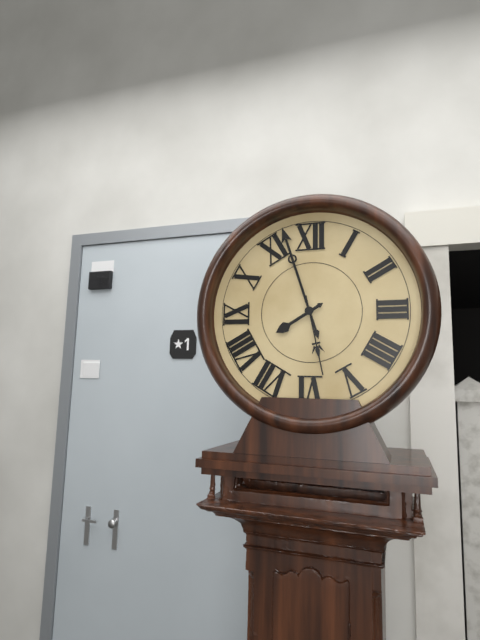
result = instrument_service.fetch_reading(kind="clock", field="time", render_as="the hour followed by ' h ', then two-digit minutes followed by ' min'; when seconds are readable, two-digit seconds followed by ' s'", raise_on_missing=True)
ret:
7 h 57 min 28 s
